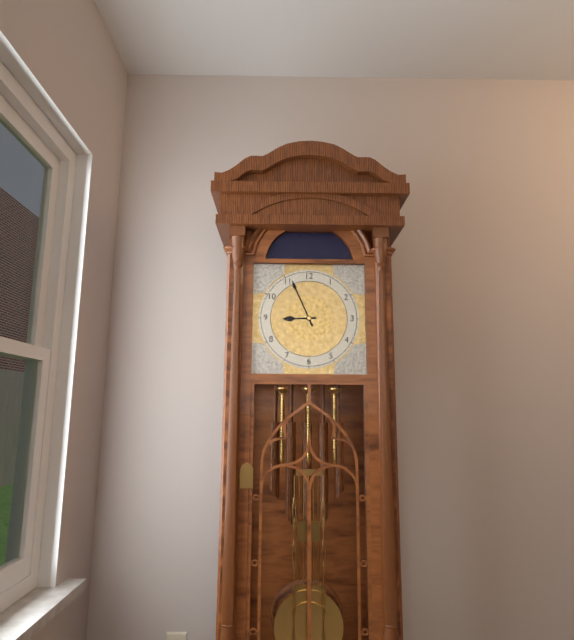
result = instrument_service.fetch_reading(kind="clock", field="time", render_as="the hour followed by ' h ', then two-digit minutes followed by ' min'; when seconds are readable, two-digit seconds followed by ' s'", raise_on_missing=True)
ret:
8 h 56 min
